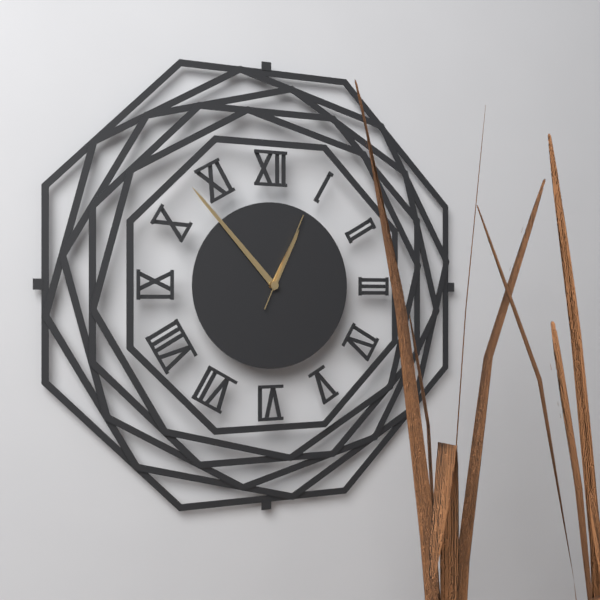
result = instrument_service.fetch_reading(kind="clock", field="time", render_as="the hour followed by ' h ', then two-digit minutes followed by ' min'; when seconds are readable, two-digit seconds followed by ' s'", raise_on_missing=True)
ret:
12 h 53 min 04 s
